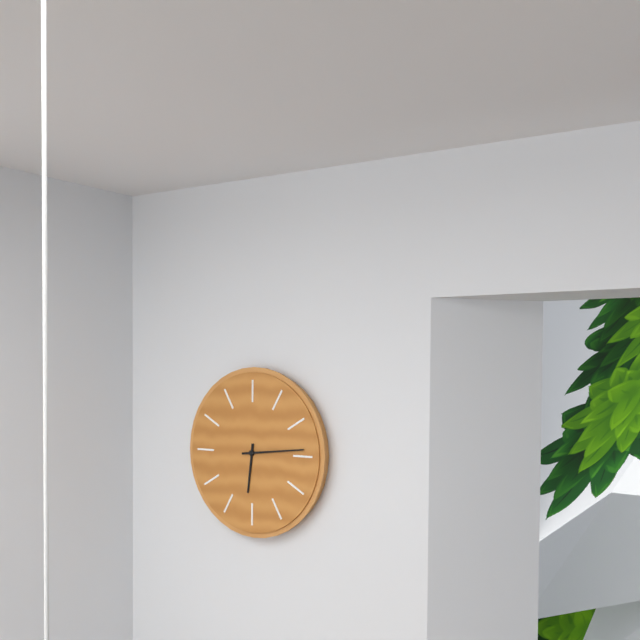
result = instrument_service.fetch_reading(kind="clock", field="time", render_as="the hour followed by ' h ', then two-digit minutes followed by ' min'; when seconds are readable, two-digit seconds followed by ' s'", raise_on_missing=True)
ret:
6 h 14 min
